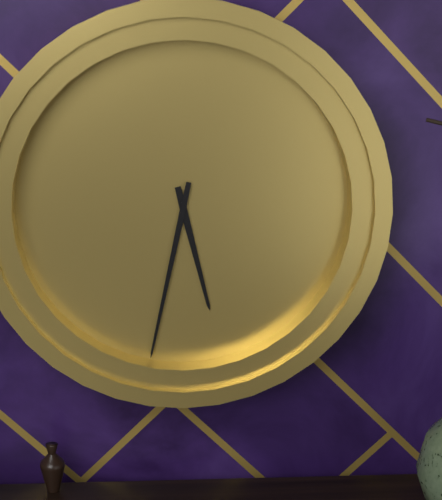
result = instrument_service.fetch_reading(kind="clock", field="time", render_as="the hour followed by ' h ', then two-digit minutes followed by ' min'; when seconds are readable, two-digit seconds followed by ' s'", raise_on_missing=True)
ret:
5 h 32 min
